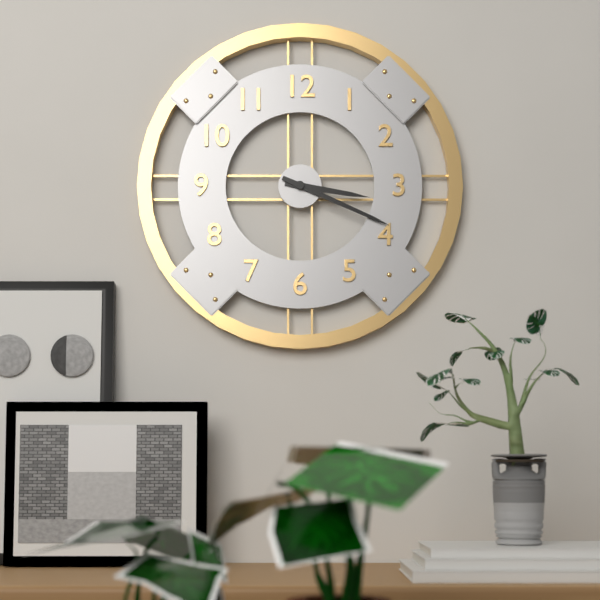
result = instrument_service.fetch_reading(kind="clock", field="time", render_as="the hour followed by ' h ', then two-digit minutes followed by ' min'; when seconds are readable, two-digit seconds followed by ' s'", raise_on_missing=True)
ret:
3 h 19 min
